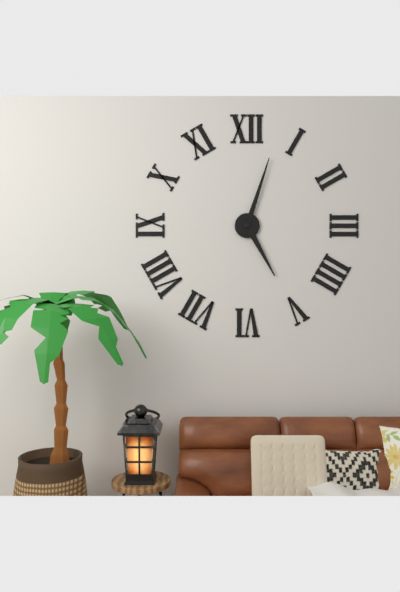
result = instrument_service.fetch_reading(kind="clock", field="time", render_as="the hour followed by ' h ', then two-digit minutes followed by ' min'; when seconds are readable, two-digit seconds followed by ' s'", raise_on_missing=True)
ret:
5 h 03 min
